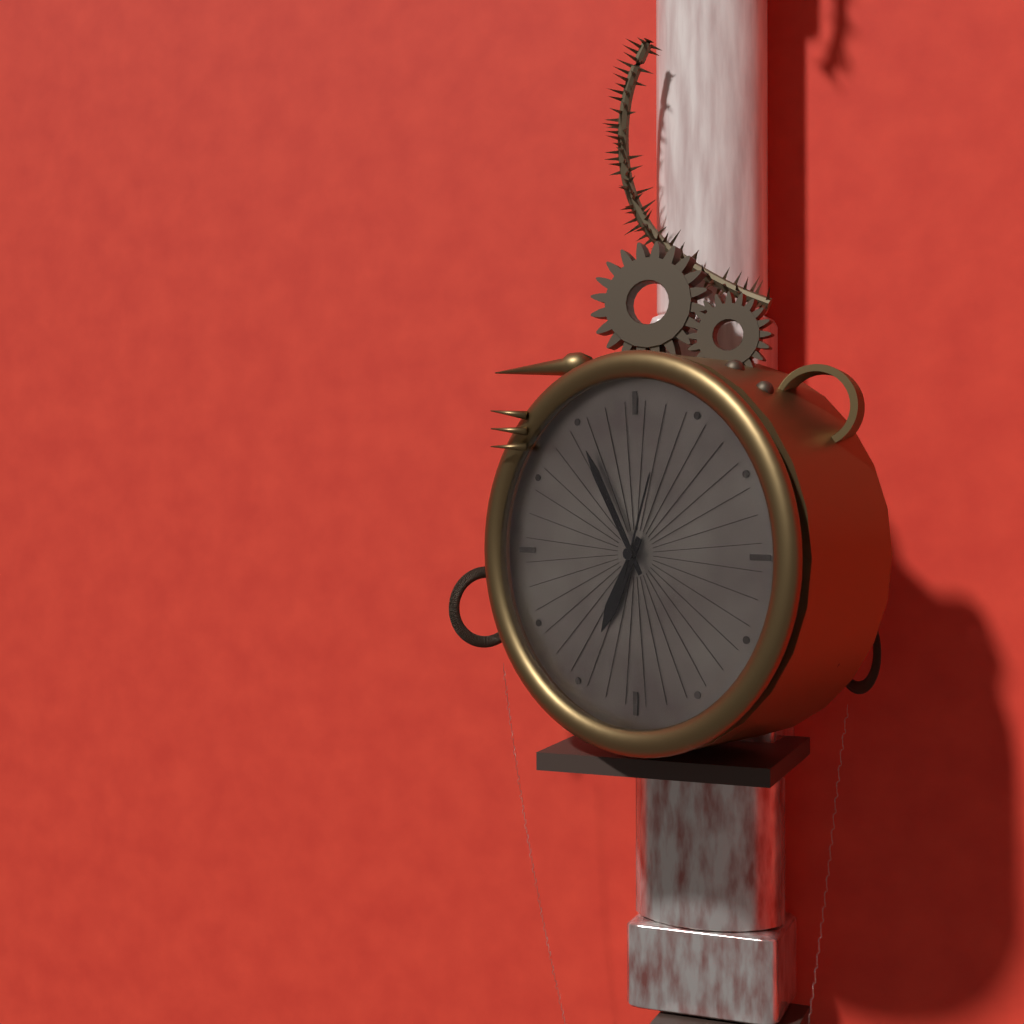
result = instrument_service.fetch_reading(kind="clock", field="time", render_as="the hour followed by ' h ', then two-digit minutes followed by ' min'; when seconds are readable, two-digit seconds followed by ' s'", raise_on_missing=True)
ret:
6 h 55 min 03 s
